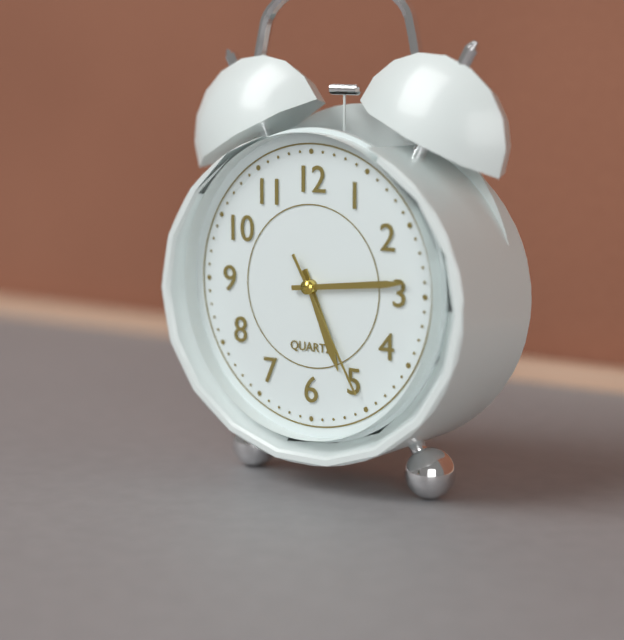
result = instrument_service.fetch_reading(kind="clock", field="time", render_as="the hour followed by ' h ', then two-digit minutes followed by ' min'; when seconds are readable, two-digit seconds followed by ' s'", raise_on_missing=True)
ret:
5 h 14 min 25 s
